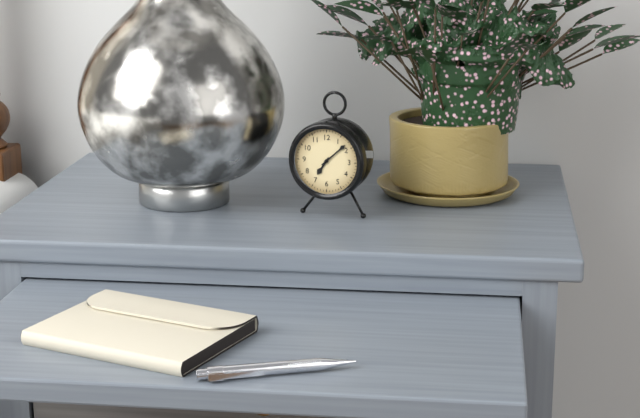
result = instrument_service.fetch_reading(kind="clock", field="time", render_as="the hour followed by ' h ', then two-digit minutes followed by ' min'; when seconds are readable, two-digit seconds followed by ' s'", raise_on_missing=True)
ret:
7 h 08 min
